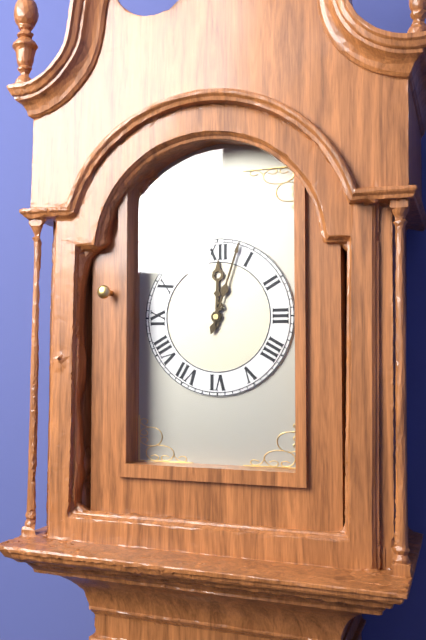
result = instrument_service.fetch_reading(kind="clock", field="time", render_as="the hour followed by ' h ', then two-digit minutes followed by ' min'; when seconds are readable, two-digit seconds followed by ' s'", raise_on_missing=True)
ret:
12 h 03 min
